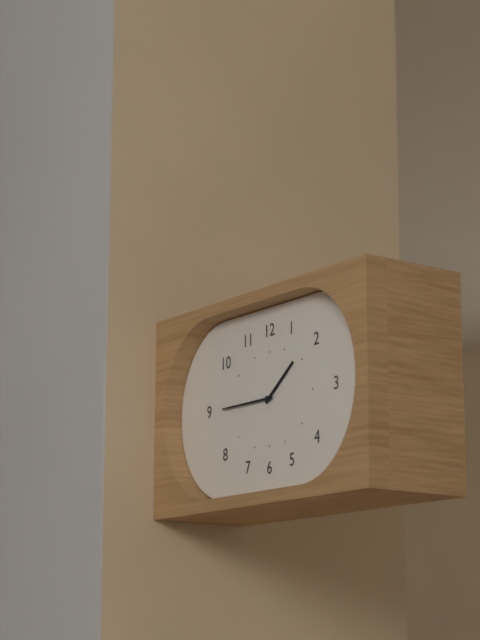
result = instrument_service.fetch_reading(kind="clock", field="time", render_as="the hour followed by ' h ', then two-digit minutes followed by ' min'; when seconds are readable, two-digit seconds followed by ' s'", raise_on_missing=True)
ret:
1 h 45 min
